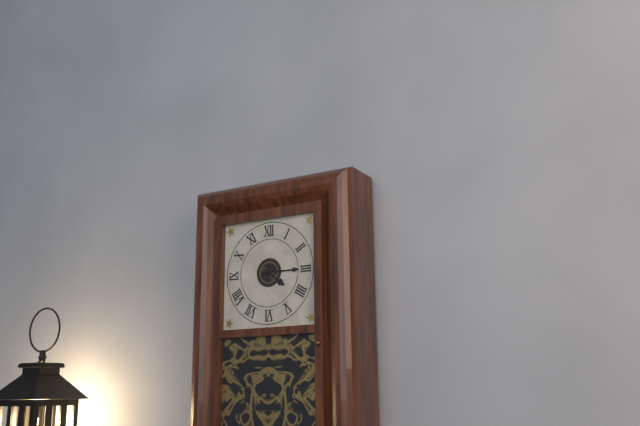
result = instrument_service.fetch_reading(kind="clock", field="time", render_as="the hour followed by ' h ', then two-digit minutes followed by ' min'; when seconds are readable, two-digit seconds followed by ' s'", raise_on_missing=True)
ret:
4 h 15 min
